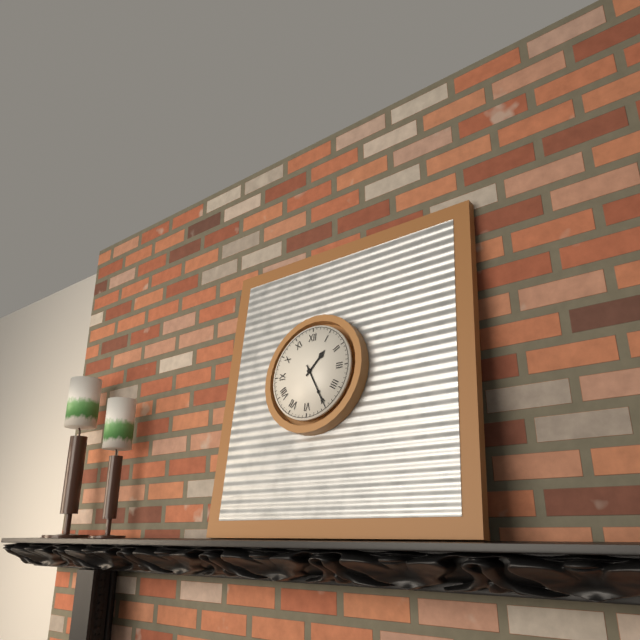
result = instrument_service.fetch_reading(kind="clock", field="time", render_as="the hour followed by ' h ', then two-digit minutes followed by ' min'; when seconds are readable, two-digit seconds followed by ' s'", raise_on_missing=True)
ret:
1 h 25 min
